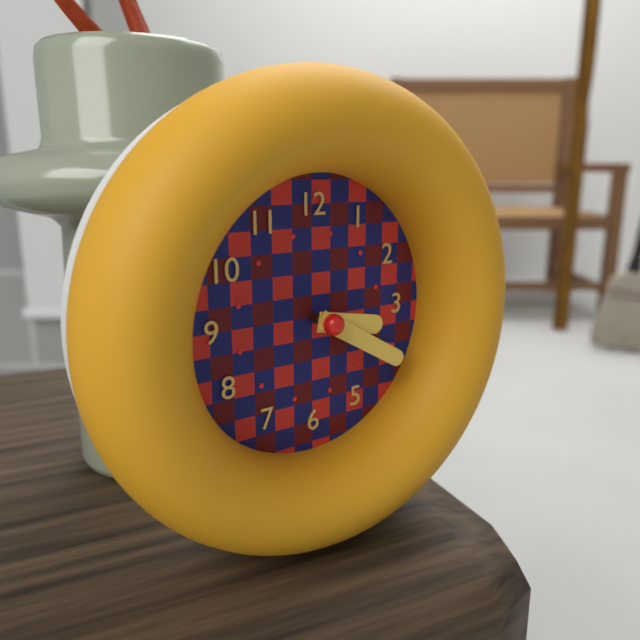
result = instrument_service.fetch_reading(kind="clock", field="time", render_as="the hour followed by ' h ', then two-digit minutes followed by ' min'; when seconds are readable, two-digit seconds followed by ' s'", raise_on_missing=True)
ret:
3 h 20 min
